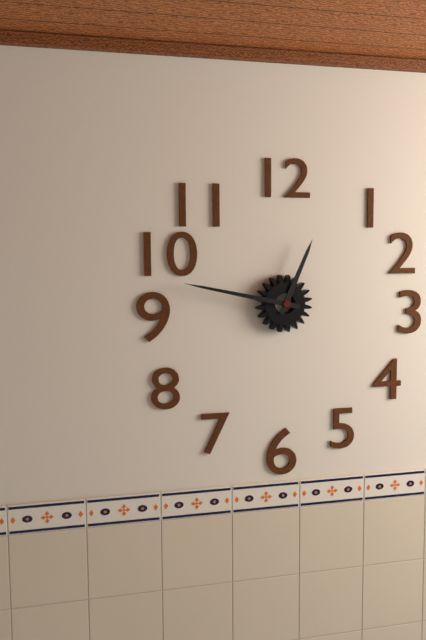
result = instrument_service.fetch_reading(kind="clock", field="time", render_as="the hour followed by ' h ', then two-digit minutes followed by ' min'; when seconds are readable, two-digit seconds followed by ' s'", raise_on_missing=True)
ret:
12 h 47 min
